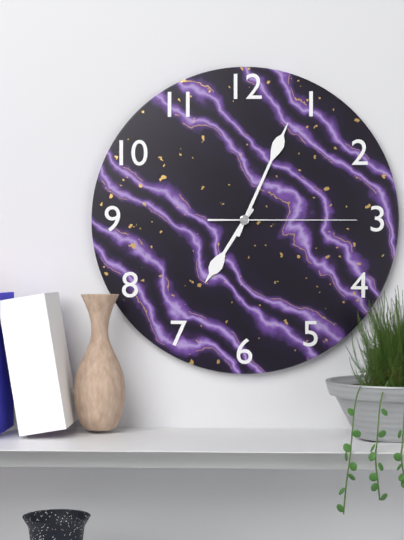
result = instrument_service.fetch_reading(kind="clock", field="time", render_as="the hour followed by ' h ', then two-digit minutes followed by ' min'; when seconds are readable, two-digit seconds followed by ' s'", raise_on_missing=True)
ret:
7 h 04 min 15 s
